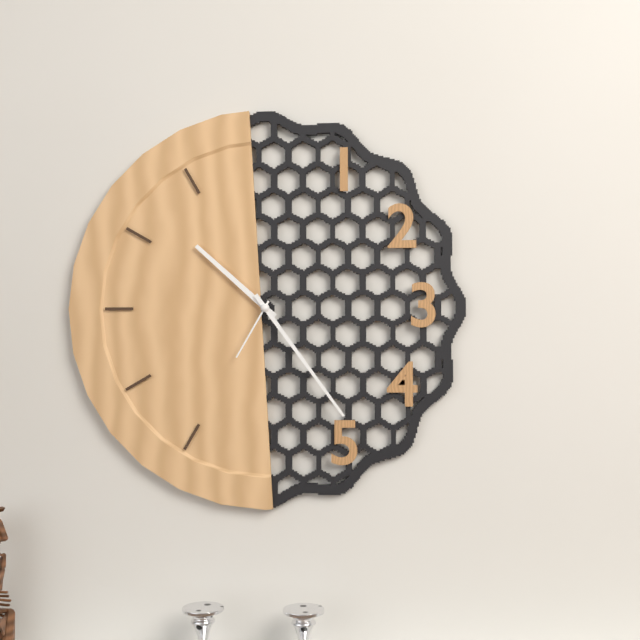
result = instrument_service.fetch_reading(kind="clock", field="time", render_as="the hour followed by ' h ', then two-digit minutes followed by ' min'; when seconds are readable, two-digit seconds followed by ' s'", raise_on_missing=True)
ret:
10 h 24 min 35 s
